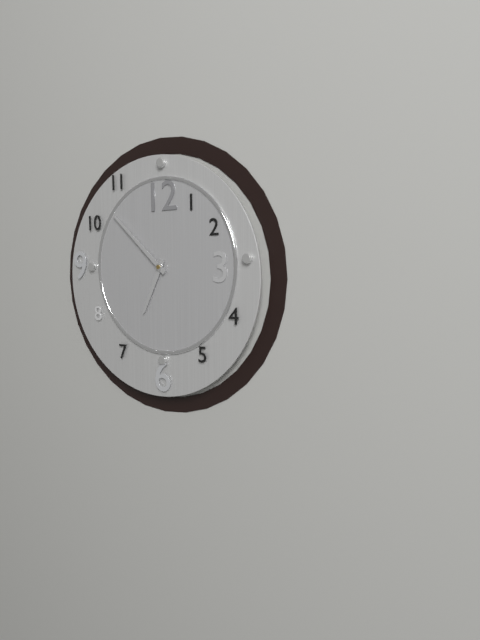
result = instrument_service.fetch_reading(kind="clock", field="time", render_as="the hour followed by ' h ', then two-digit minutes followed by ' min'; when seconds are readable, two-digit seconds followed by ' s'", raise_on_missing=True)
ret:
6 h 52 min
